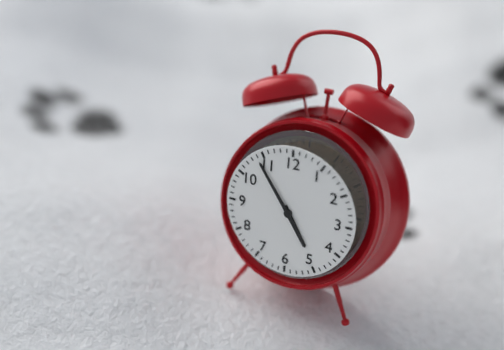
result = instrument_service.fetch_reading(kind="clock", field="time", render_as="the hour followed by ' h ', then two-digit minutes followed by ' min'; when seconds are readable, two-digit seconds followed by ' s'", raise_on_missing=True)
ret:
4 h 54 min
